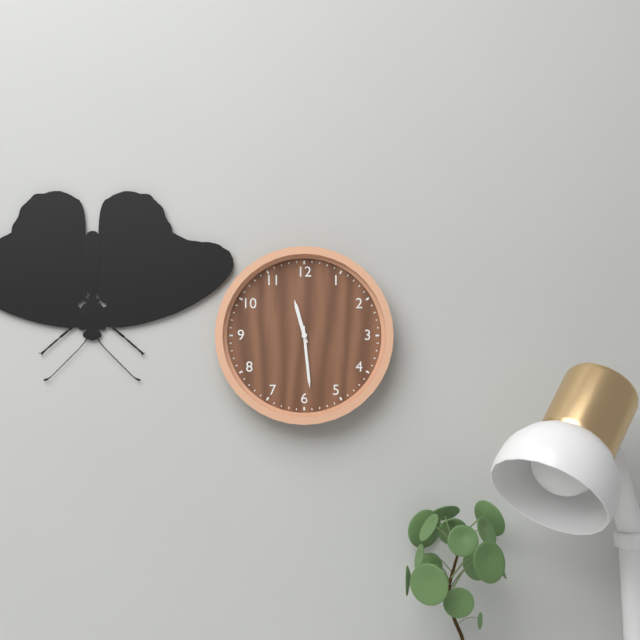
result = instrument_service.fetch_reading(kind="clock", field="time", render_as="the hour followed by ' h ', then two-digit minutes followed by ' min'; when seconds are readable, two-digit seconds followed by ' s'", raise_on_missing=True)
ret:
11 h 29 min
